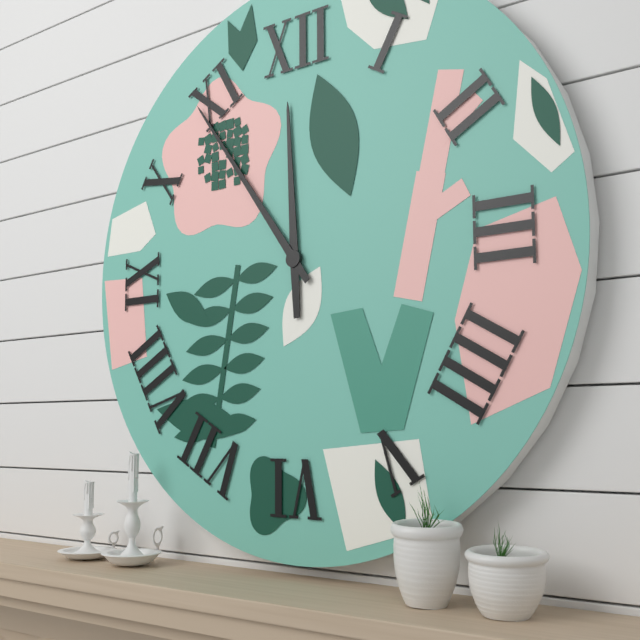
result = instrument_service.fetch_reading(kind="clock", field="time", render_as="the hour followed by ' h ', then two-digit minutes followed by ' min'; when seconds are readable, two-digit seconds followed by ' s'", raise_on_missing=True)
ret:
11 h 54 min
